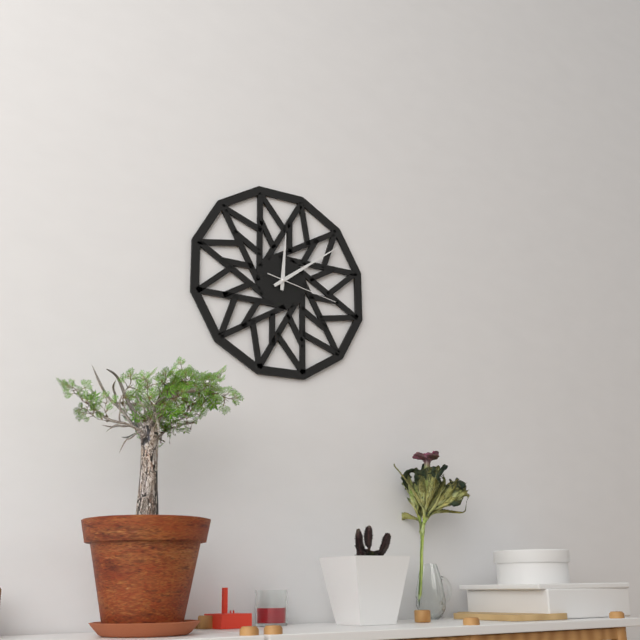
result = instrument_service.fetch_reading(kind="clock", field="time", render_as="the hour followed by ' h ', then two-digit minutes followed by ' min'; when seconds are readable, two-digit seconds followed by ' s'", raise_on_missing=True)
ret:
12 h 09 min 17 s
